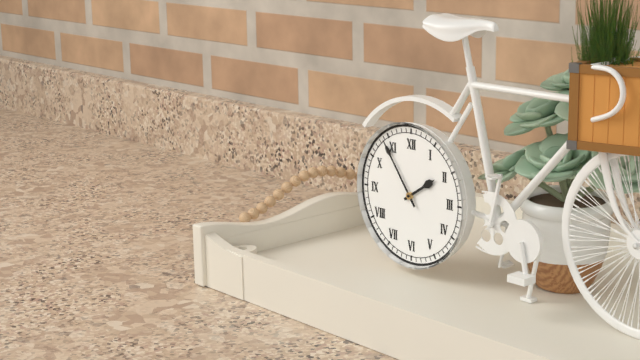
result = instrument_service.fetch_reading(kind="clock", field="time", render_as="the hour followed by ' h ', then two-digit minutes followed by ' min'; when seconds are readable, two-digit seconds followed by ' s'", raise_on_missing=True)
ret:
1 h 54 min
